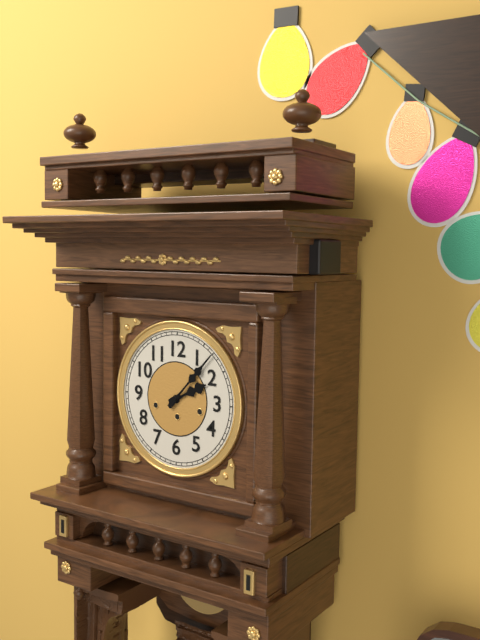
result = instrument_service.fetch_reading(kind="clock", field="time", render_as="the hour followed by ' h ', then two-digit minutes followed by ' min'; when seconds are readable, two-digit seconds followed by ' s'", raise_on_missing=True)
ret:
2 h 07 min
